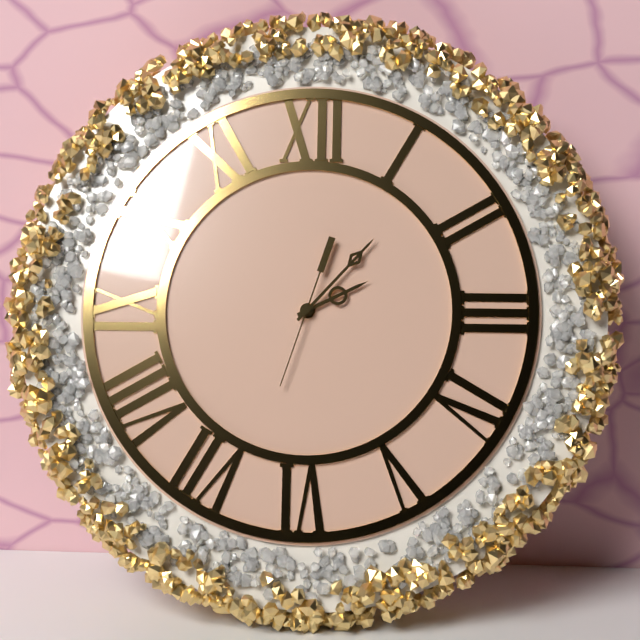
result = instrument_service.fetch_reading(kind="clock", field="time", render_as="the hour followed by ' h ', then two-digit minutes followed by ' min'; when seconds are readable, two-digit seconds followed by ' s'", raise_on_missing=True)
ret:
2 h 07 min 33 s
